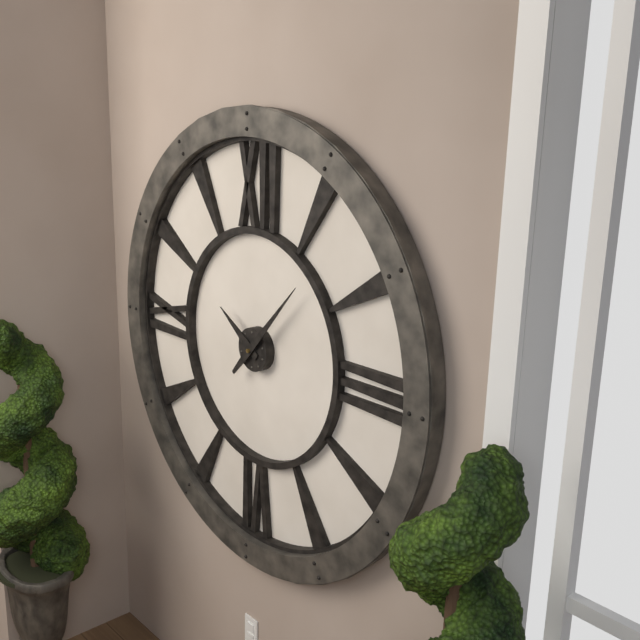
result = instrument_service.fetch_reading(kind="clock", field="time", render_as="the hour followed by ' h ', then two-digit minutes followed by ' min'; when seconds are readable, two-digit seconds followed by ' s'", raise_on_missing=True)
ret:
10 h 07 min
